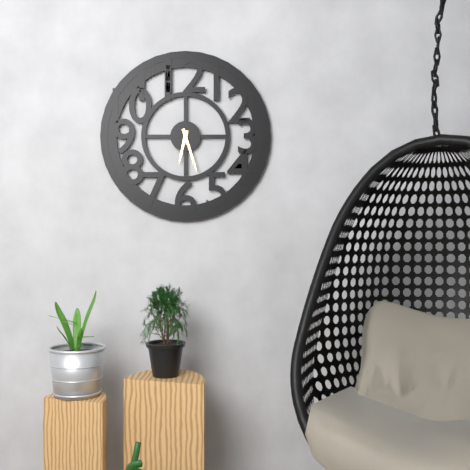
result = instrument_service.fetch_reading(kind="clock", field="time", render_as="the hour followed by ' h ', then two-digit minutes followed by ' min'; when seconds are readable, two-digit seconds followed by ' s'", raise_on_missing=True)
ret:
6 h 27 min
